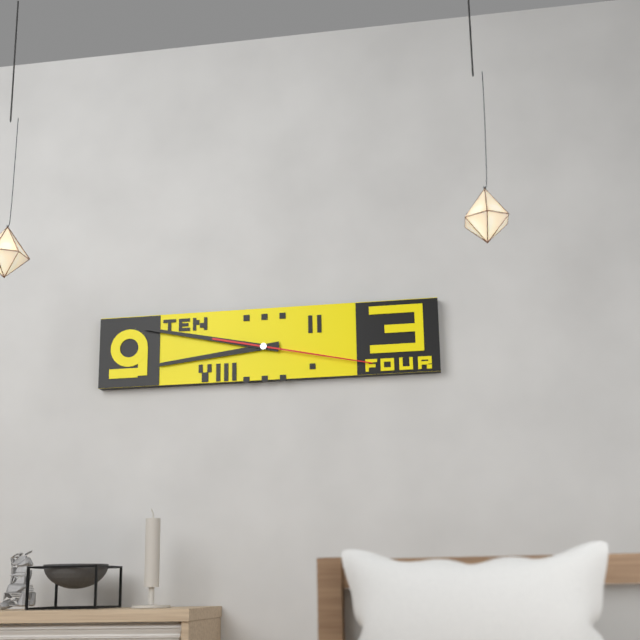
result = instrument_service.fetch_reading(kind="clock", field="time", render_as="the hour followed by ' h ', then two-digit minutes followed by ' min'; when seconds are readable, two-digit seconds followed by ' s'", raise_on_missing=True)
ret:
8 h 47 min 17 s
